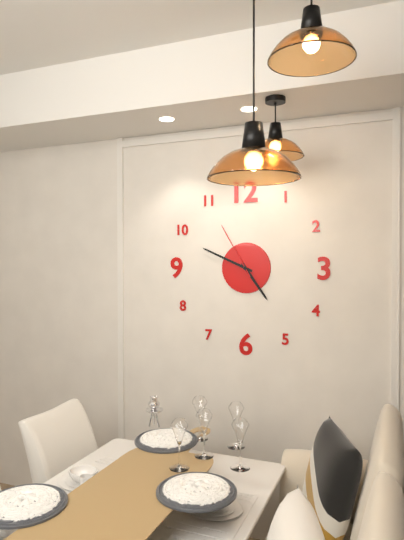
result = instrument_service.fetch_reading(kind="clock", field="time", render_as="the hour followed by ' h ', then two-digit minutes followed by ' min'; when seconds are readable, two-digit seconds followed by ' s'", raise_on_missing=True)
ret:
4 h 49 min 55 s
